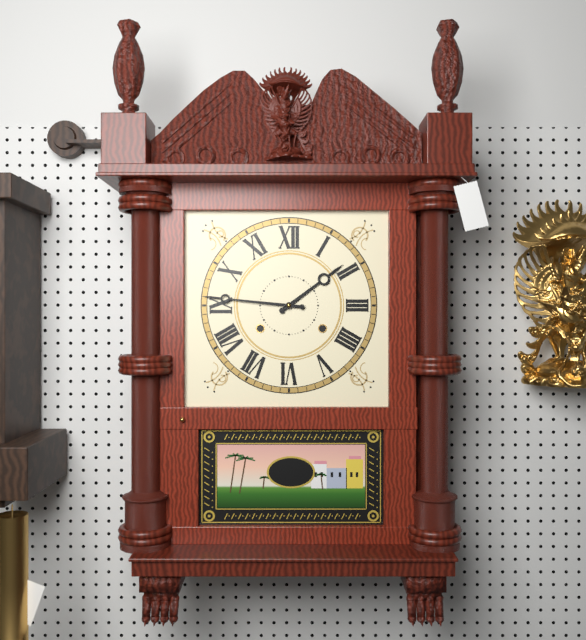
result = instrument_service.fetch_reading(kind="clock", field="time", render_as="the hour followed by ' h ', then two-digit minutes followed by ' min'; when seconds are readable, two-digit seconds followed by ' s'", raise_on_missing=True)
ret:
1 h 46 min
